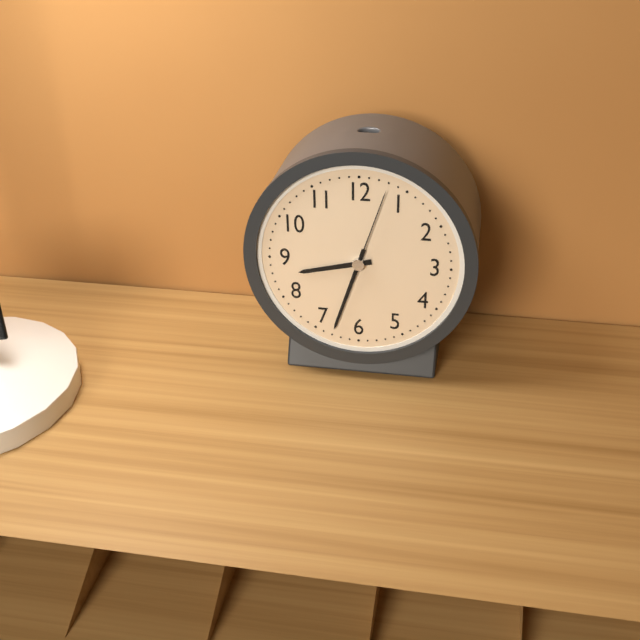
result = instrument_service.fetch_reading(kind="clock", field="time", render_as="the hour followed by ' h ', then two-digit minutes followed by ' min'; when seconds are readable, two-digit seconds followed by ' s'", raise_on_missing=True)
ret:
8 h 33 min 03 s
